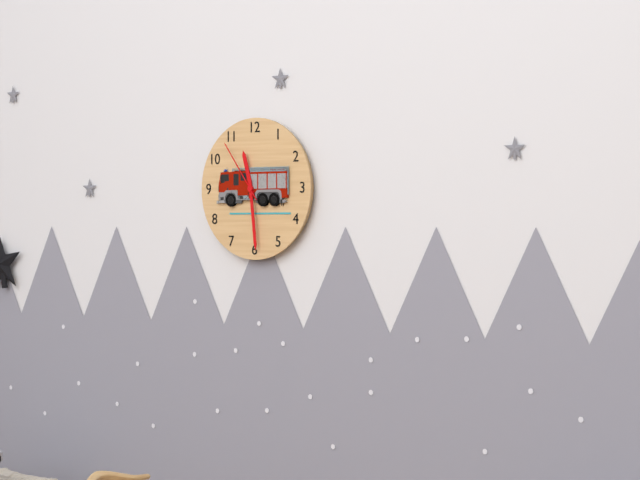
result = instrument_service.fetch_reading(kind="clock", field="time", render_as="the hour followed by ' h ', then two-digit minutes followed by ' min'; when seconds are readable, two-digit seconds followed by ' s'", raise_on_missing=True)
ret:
11 h 29 min 54 s
